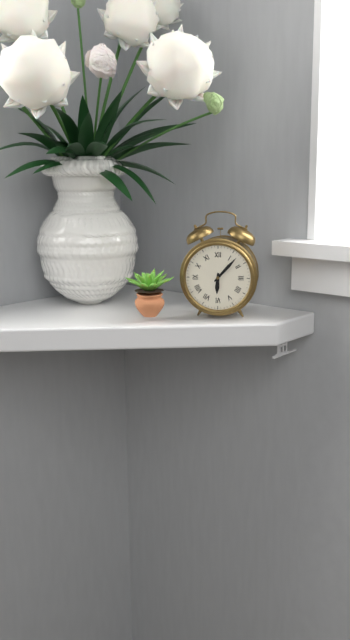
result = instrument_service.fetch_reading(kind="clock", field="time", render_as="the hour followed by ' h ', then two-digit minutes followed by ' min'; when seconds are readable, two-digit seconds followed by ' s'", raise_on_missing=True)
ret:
6 h 07 min
